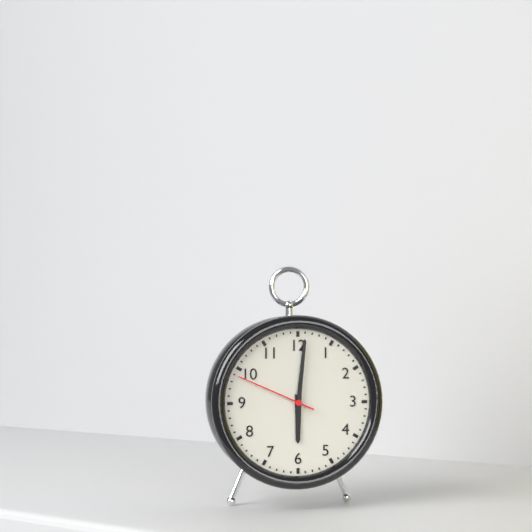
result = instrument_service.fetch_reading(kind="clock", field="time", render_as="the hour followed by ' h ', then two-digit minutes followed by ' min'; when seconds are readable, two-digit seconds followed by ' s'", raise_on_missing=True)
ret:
6 h 01 min 49 s
